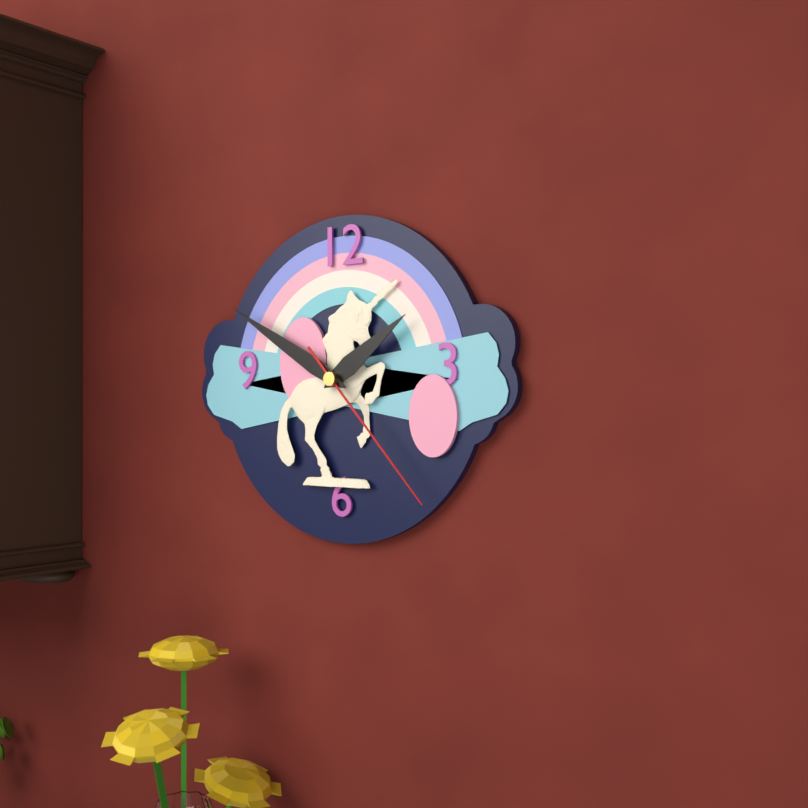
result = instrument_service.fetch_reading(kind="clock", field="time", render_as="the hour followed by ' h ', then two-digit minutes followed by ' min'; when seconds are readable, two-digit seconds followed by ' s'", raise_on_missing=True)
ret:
1 h 50 min 23 s
